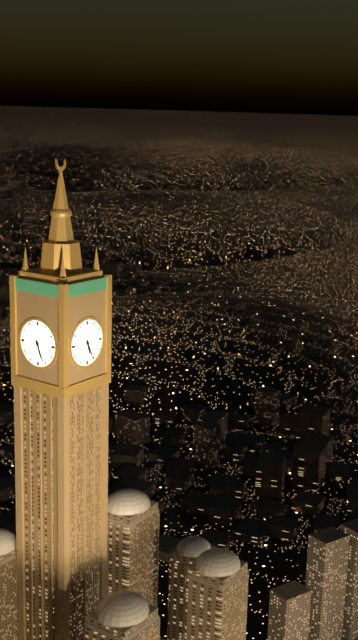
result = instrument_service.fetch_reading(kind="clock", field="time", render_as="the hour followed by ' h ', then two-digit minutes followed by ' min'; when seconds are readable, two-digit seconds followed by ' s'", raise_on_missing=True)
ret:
5 h 26 min
